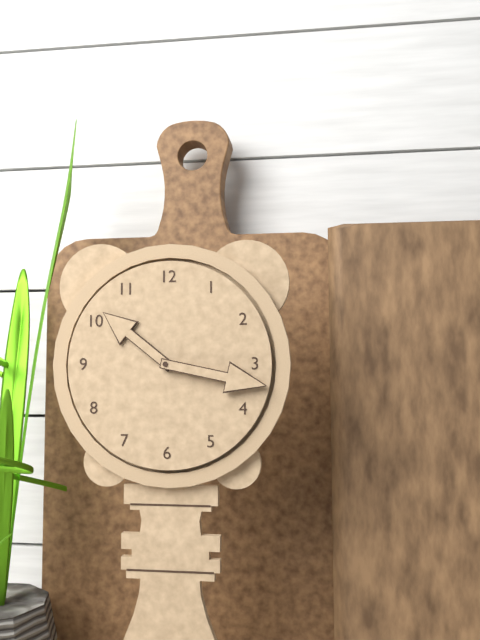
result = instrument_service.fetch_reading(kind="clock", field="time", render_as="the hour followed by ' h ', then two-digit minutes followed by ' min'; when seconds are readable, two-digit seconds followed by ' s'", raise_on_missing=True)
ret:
10 h 17 min
